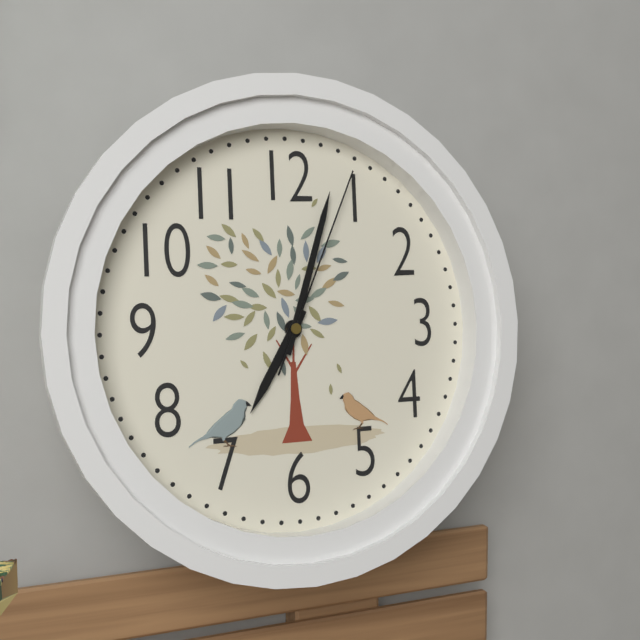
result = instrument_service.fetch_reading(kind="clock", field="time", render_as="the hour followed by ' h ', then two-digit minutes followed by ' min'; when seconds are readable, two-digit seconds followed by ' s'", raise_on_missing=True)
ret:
7 h 03 min 04 s
